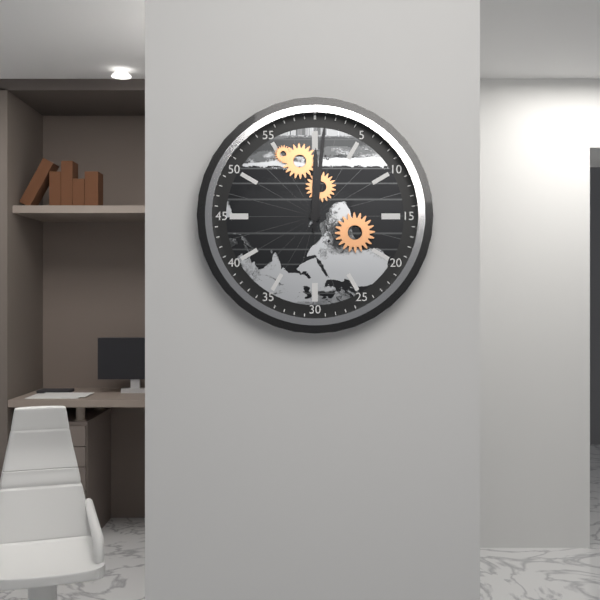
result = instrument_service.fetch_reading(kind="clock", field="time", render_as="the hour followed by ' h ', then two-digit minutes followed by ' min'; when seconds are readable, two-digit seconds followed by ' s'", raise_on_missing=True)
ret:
12 h 01 min
